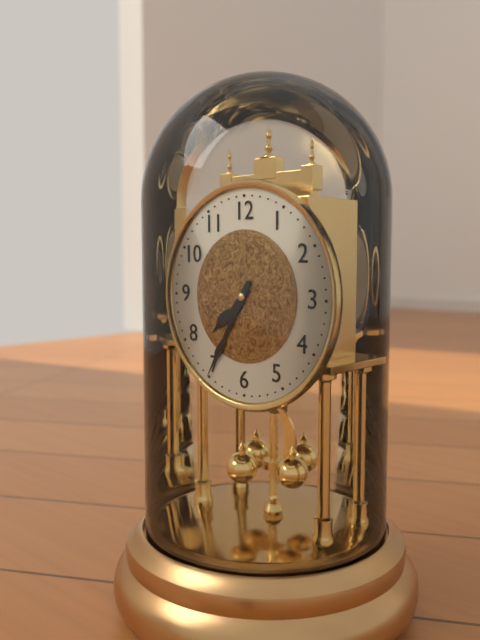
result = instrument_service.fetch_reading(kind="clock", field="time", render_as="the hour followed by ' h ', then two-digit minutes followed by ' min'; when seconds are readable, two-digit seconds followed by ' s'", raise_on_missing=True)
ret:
7 h 35 min
